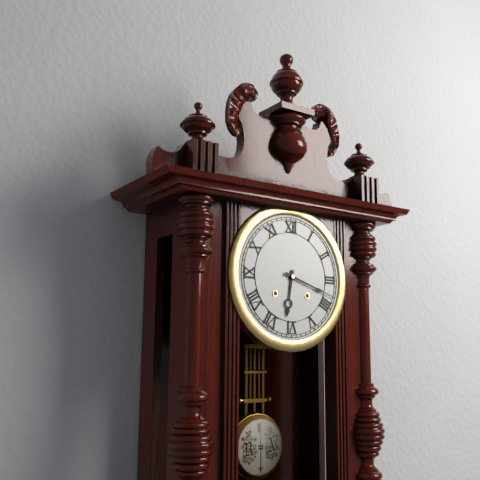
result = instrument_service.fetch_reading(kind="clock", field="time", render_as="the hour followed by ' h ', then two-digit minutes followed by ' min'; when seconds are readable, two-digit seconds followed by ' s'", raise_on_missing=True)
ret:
6 h 18 min
